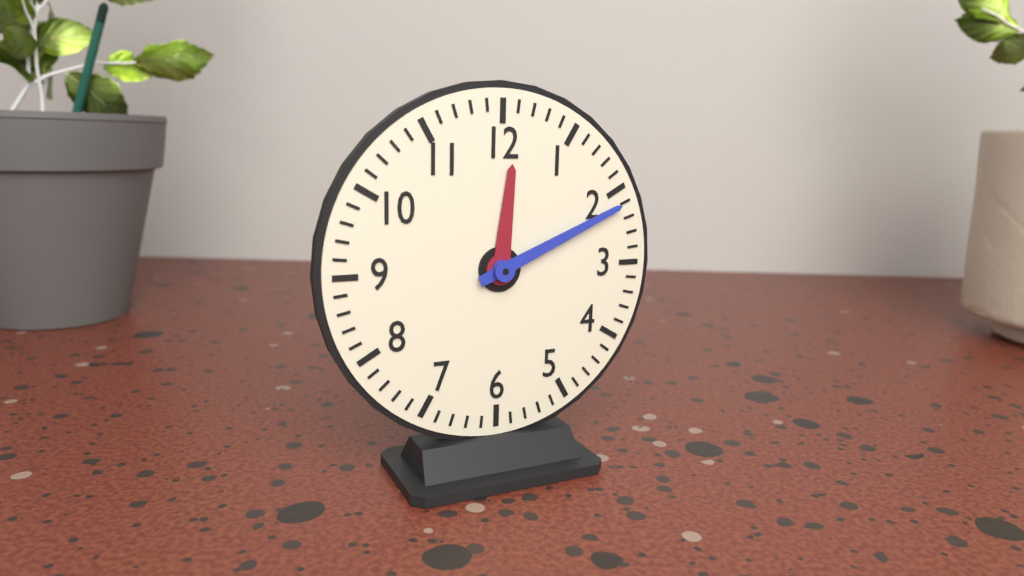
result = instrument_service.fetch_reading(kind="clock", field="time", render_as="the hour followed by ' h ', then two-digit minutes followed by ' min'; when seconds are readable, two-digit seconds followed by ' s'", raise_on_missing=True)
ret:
12 h 11 min
